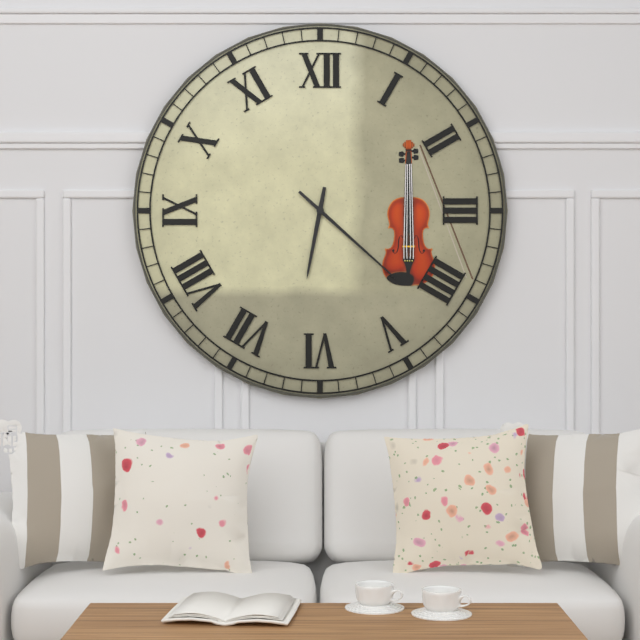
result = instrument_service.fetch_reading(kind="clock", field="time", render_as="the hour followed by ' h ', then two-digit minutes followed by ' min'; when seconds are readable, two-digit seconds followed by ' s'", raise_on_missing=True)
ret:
6 h 22 min
